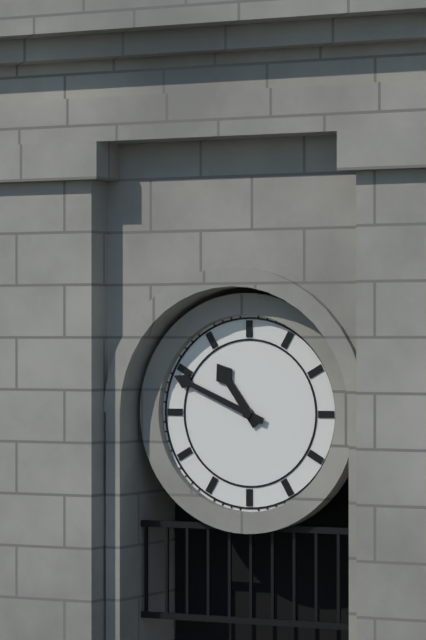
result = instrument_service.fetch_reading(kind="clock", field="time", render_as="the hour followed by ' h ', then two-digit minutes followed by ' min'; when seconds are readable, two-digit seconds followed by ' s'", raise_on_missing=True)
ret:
10 h 49 min
